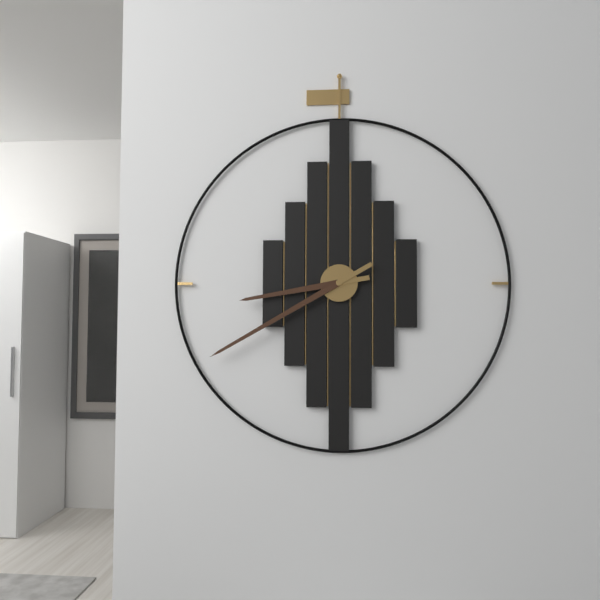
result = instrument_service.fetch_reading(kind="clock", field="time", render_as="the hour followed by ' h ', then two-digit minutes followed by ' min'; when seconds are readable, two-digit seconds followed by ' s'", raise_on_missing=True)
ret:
8 h 40 min
